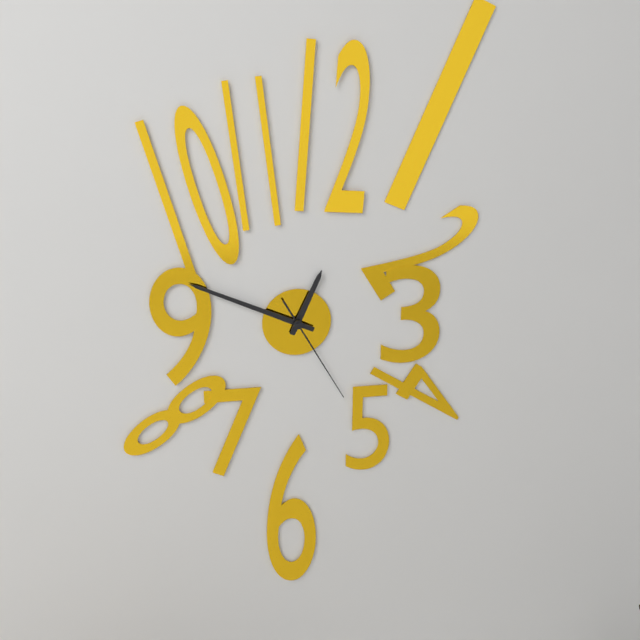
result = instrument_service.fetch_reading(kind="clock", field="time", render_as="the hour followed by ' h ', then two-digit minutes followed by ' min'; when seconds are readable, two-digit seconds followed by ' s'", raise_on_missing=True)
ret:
12 h 49 min 25 s
